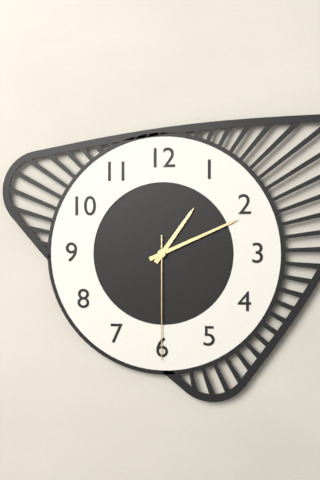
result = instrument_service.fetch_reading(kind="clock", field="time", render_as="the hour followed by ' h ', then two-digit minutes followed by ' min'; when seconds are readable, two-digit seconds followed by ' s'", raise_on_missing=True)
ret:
1 h 11 min 30 s
